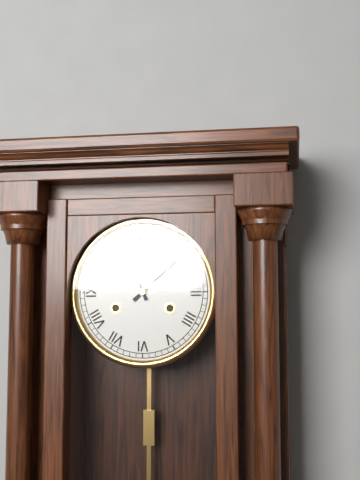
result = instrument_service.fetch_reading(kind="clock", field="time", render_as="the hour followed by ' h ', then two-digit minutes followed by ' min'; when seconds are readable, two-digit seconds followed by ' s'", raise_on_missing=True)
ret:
11 h 08 min
